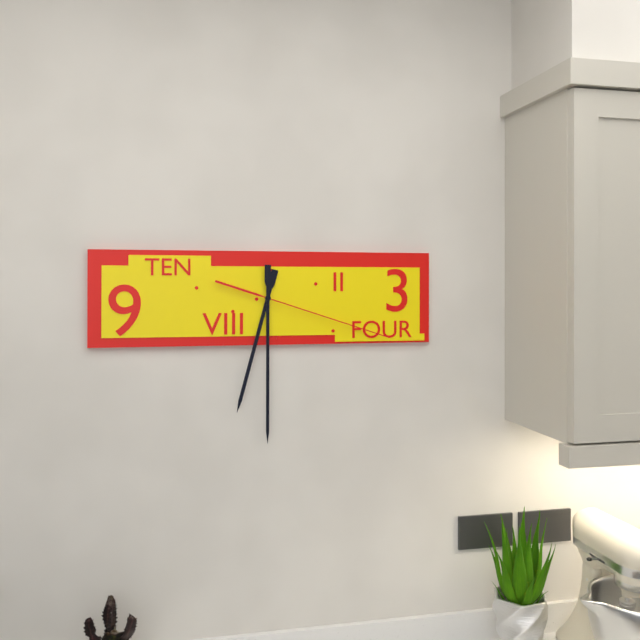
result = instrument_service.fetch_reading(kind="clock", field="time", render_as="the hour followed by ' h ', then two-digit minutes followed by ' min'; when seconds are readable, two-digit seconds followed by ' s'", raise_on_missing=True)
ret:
6 h 30 min 18 s
